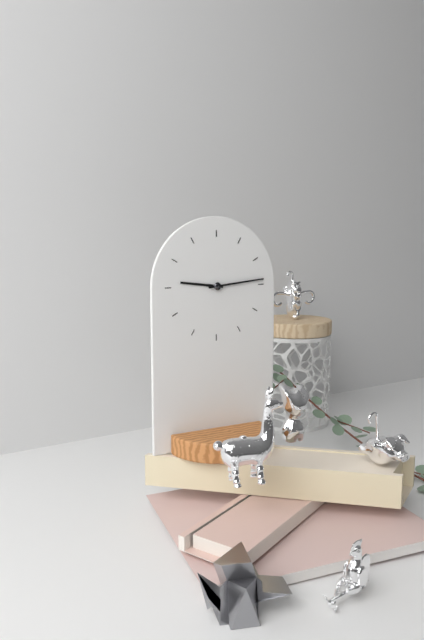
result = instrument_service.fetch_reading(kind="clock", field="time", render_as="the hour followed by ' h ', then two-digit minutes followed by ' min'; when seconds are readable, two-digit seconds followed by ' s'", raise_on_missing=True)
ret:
9 h 14 min
